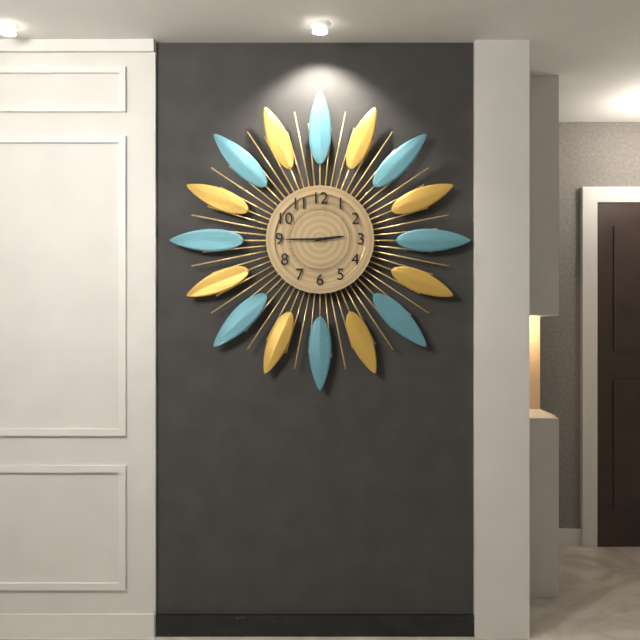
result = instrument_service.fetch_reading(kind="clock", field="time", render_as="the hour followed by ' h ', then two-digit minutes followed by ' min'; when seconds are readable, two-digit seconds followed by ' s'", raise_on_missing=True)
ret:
2 h 45 min
